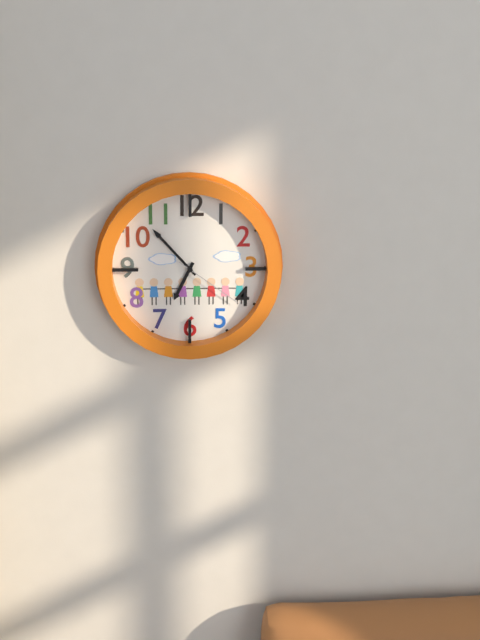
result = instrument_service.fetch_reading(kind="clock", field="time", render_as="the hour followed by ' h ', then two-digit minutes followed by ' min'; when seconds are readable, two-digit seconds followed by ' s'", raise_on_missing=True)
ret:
6 h 53 min 21 s
